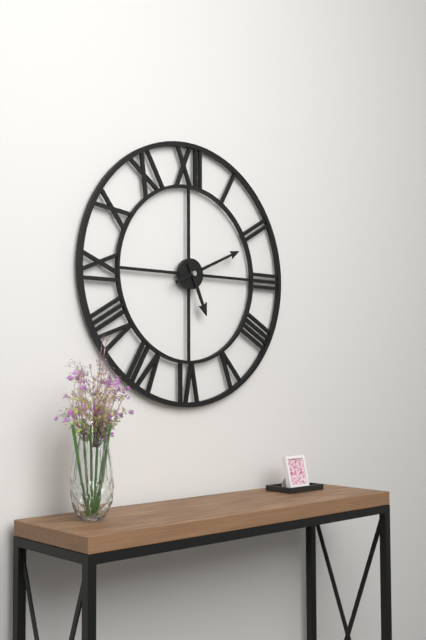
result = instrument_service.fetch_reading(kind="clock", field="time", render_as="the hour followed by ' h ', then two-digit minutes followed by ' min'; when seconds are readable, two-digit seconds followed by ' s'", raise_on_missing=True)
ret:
5 h 11 min
